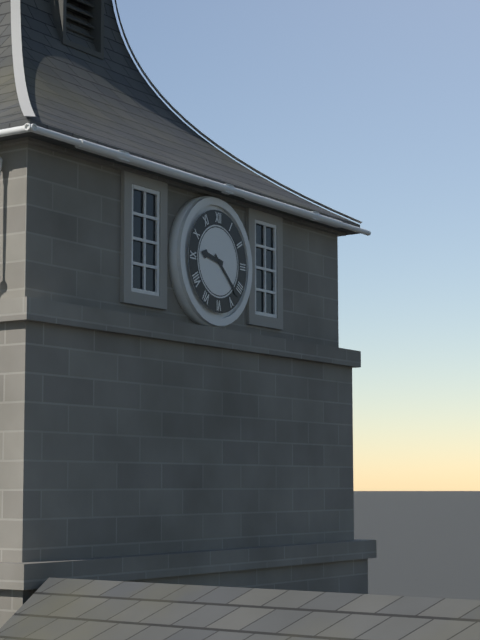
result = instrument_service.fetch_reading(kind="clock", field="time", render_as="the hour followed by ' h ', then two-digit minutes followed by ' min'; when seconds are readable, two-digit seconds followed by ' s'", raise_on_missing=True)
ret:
9 h 22 min
